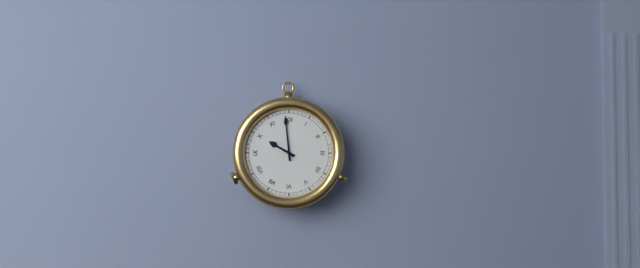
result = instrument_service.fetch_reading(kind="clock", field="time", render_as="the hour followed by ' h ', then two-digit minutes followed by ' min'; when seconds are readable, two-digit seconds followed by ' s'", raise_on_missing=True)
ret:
9 h 59 min
